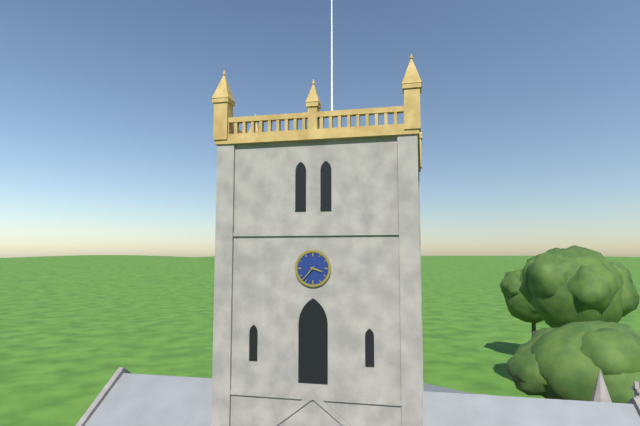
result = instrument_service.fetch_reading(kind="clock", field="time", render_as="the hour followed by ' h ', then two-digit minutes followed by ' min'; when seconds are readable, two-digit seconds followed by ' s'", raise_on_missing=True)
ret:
3 h 37 min
